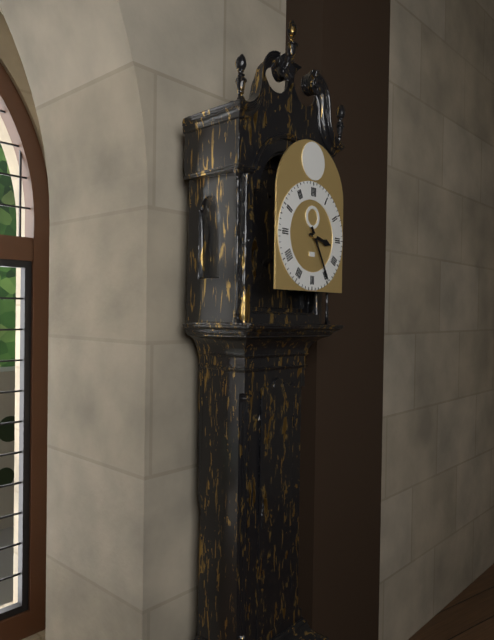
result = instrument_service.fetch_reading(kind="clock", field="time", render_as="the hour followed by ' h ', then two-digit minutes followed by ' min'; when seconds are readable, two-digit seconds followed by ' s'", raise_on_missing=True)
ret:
3 h 25 min
